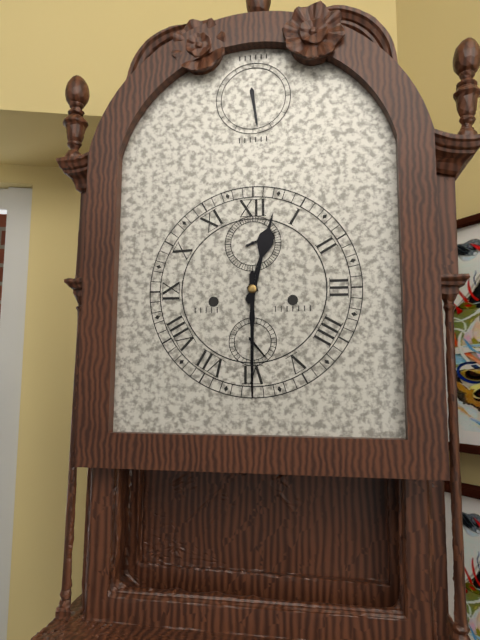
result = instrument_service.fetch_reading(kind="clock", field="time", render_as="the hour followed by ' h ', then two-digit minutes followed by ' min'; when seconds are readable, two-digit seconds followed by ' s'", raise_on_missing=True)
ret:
12 h 30 min
